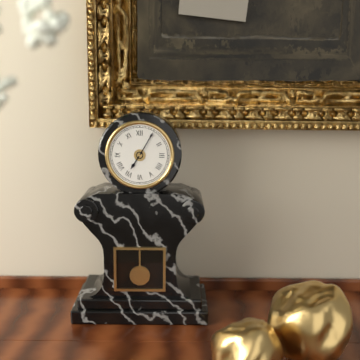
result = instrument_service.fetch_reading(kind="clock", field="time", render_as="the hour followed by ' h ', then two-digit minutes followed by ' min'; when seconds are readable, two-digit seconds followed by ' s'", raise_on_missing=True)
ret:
7 h 05 min
